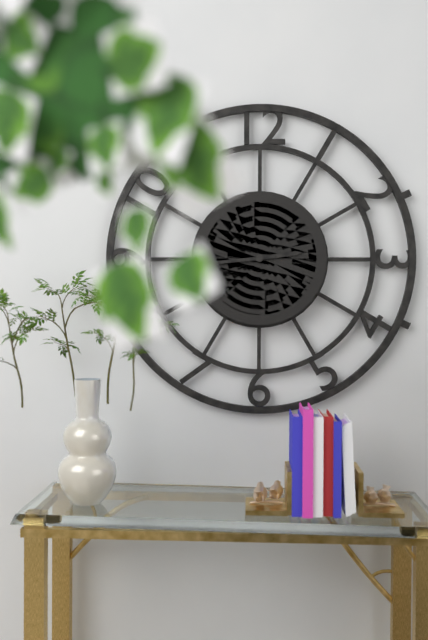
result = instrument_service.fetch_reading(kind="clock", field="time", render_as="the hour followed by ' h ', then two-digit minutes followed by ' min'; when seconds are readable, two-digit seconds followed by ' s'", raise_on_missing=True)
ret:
2 h 44 min
